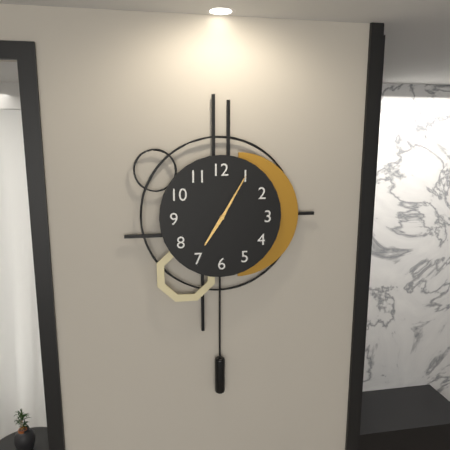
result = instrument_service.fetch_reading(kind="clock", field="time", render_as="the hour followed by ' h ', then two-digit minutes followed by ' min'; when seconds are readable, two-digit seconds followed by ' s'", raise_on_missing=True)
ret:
7 h 05 min 05 s
